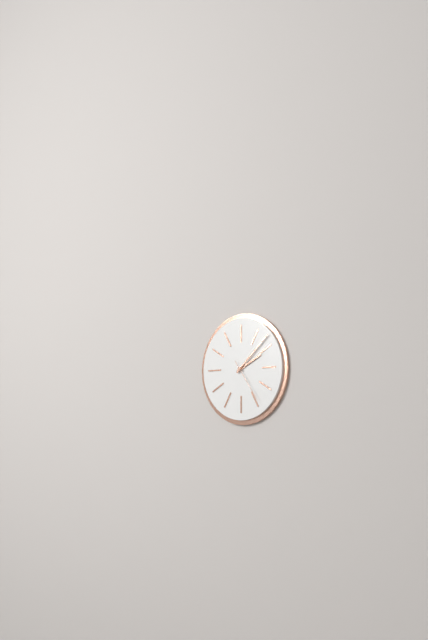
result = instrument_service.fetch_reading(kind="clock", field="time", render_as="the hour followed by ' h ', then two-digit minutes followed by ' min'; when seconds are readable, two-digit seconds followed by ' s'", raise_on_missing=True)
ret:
2 h 08 min
